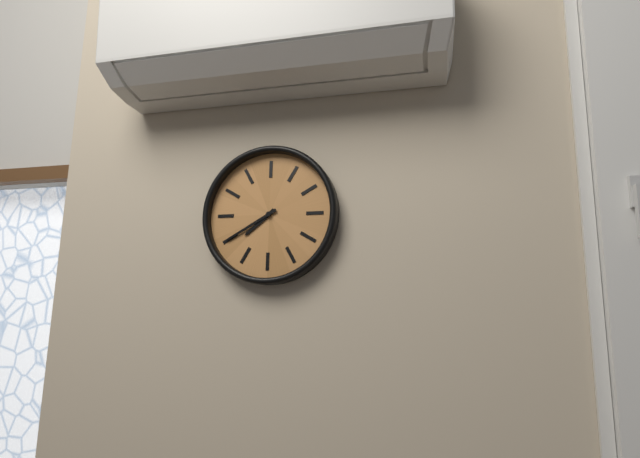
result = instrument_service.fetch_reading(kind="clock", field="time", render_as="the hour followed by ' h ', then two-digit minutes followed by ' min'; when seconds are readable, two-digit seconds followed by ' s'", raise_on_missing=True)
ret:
7 h 40 min
